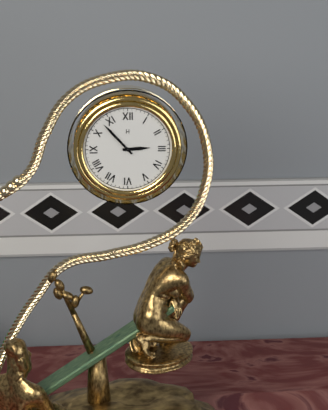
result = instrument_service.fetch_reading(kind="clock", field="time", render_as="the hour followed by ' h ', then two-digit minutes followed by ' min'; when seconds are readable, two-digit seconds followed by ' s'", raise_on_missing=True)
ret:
2 h 53 min
